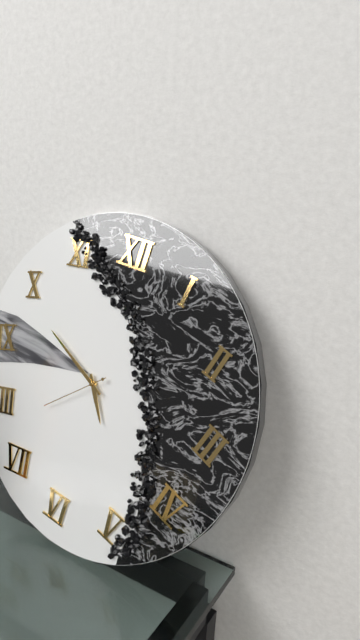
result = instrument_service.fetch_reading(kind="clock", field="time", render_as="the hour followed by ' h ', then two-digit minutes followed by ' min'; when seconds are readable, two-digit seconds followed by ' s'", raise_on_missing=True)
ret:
4 h 49 min 38 s
